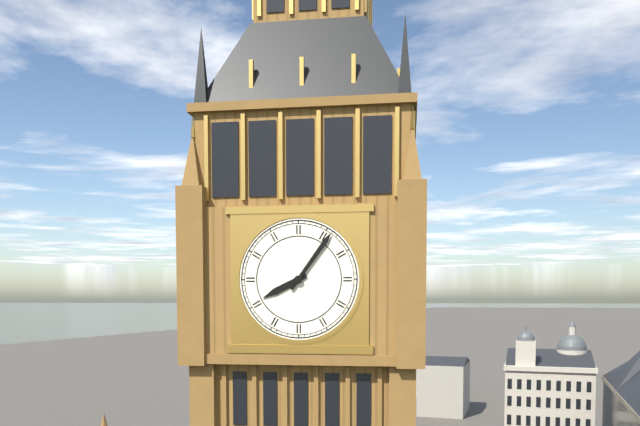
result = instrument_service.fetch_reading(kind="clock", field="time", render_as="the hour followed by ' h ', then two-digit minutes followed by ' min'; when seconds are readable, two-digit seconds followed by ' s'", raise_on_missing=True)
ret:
8 h 06 min
